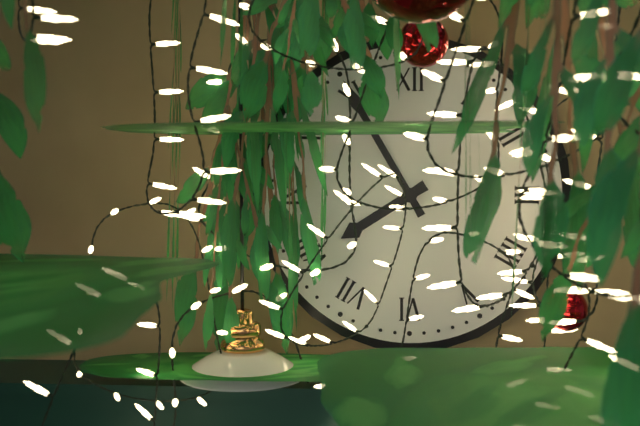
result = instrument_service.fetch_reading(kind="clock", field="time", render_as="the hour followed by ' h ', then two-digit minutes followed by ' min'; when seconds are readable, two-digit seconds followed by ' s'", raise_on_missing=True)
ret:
7 h 55 min
